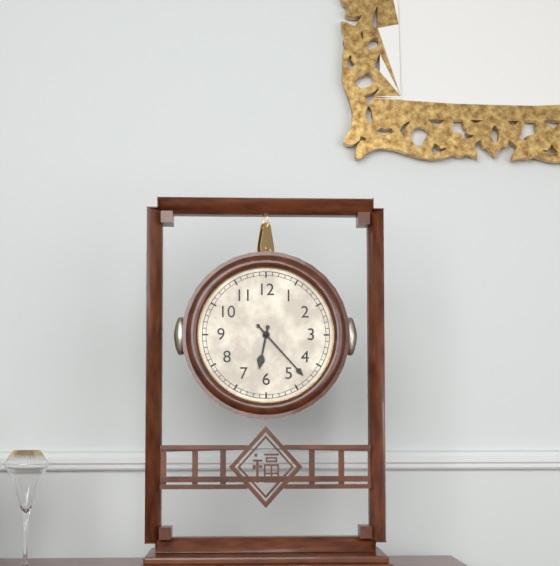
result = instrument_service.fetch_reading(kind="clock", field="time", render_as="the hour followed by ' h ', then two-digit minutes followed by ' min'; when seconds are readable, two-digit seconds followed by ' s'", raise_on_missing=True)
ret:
6 h 23 min
